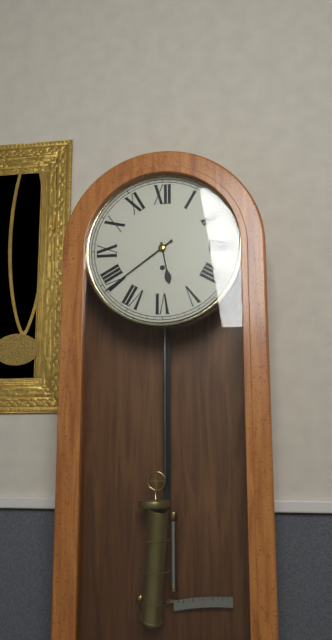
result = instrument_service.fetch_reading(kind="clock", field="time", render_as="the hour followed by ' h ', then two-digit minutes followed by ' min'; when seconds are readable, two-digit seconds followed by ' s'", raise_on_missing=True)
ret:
5 h 39 min
